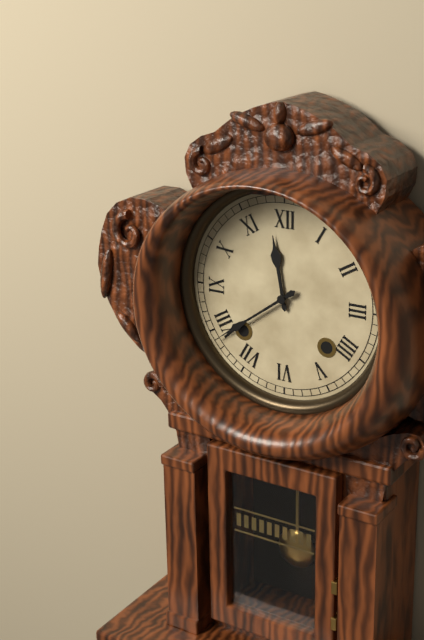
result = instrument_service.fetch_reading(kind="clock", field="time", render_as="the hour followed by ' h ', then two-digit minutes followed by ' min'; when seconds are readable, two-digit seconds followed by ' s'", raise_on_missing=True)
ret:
11 h 39 min
